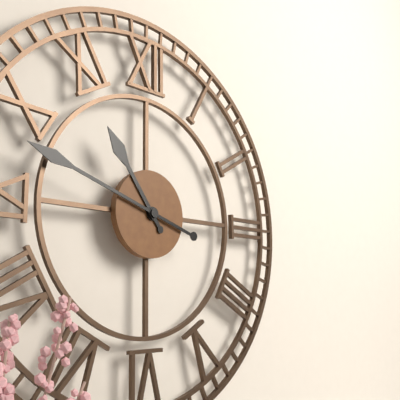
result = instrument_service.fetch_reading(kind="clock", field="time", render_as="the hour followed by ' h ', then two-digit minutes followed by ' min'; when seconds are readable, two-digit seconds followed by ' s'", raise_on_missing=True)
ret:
10 h 48 min
